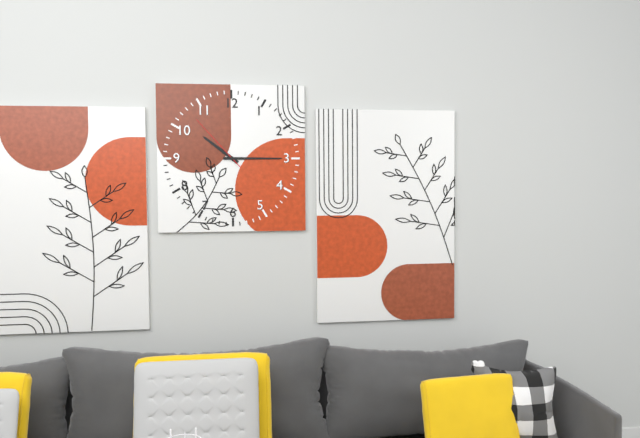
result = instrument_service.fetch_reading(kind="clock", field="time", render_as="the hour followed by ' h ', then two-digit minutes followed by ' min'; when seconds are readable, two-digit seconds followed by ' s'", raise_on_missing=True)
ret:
10 h 15 min 53 s
